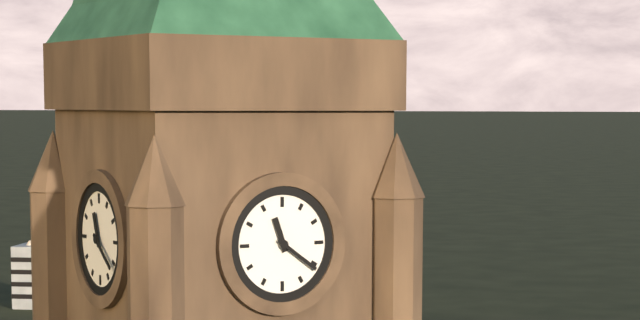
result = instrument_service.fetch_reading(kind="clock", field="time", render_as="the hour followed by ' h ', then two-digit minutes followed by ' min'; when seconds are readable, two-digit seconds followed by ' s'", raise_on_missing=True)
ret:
11 h 21 min
